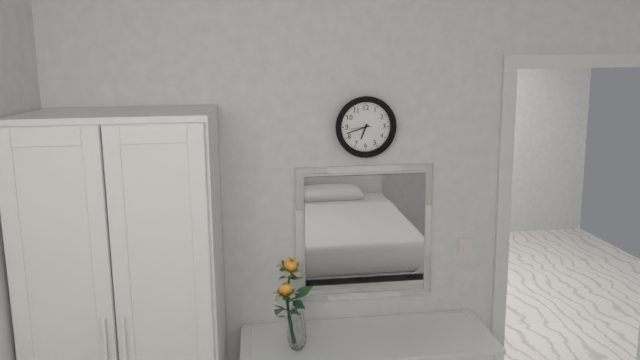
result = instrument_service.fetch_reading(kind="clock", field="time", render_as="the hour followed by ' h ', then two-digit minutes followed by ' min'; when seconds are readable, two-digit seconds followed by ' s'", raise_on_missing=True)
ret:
6 h 42 min
